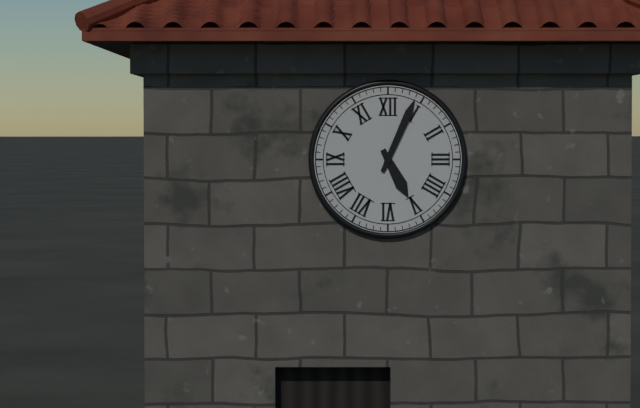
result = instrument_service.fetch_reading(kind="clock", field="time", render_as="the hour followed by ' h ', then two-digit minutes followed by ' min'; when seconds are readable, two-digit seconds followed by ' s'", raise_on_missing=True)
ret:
5 h 04 min
